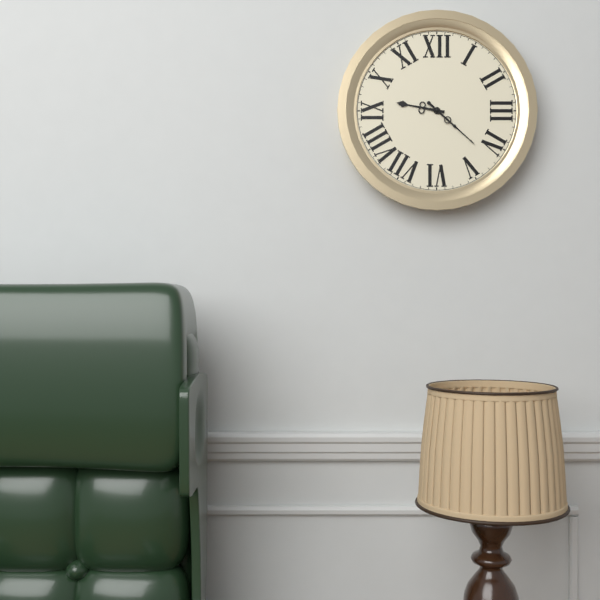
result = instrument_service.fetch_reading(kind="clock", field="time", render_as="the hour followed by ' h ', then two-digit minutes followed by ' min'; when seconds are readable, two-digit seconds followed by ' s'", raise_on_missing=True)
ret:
9 h 22 min
